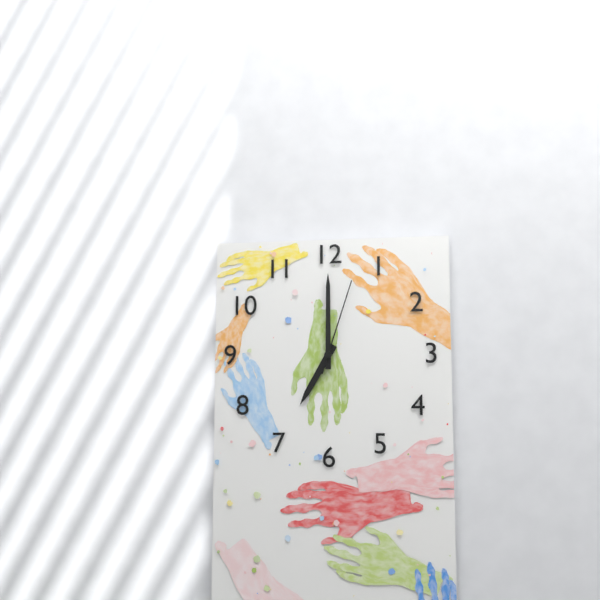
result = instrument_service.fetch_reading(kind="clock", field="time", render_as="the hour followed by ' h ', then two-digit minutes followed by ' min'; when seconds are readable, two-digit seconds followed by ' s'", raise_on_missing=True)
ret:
7 h 00 min 03 s
